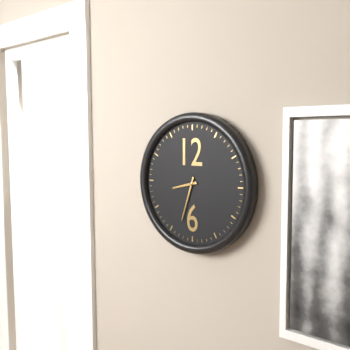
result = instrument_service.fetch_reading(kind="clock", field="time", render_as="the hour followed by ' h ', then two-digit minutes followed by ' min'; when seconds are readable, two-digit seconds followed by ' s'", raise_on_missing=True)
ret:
8 h 33 min
